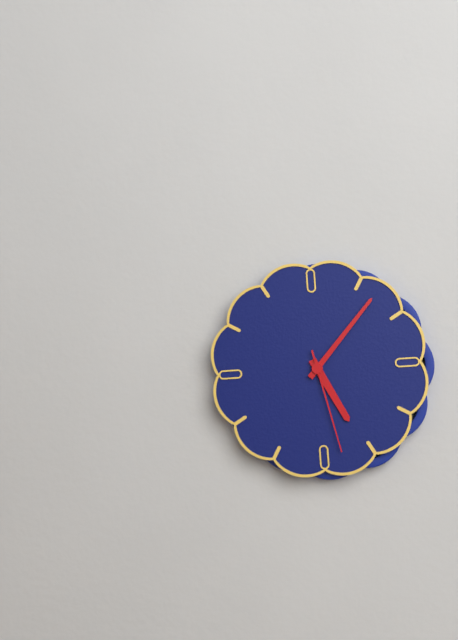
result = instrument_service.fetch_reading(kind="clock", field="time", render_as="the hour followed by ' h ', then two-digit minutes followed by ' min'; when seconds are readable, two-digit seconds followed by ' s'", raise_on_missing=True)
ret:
5 h 07 min 28 s
